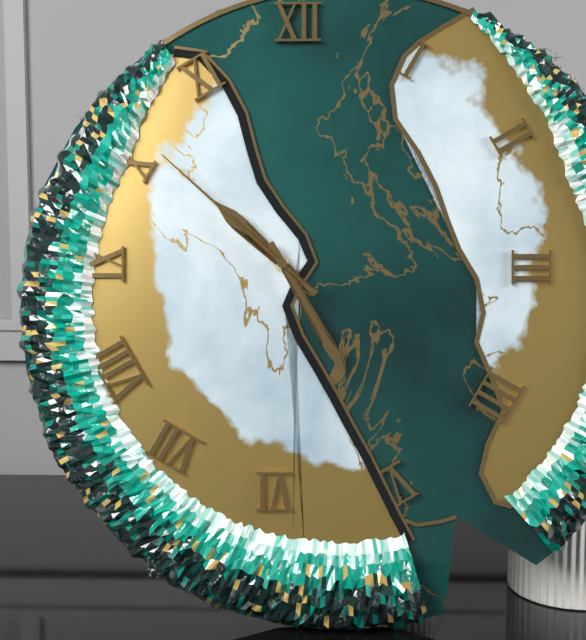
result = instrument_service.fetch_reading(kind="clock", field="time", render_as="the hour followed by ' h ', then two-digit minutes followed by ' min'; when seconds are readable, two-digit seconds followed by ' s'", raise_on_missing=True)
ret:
10 h 25 min 52 s
